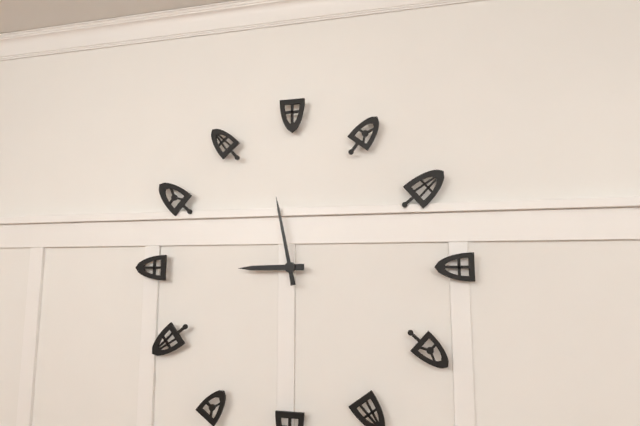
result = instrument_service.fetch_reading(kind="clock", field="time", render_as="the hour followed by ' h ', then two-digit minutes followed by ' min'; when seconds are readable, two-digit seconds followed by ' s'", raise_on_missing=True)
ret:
8 h 58 min
